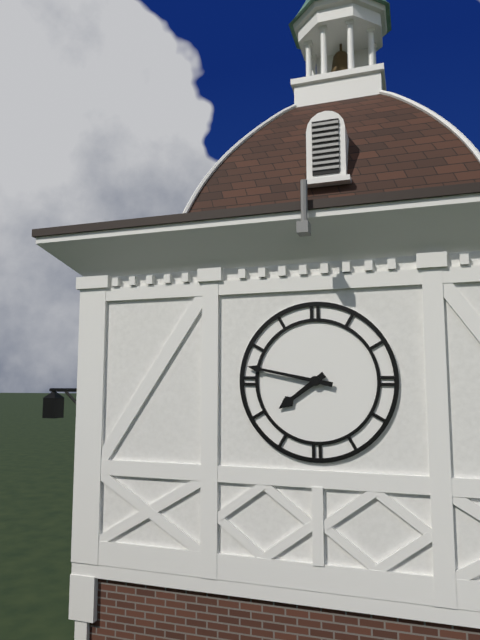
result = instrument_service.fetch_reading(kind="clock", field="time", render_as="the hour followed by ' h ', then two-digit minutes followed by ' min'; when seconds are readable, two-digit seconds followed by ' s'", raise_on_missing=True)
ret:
7 h 47 min
